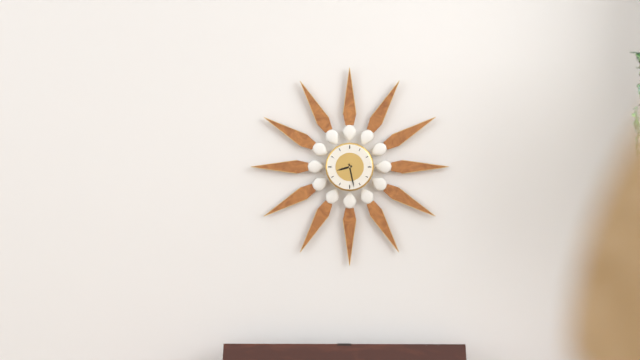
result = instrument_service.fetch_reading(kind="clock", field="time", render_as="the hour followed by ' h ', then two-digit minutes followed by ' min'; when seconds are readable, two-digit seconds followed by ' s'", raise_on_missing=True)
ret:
8 h 28 min
